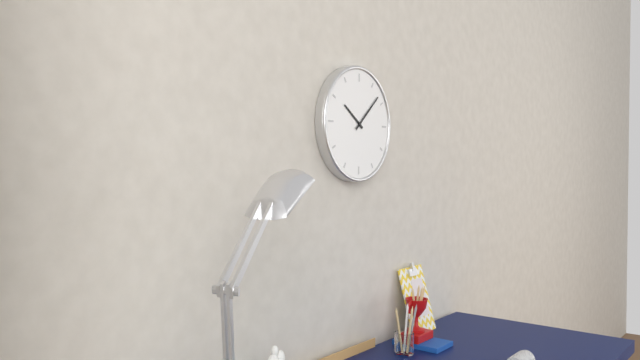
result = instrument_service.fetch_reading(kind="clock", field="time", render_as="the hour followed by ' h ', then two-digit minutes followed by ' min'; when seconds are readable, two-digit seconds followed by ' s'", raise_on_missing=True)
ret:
10 h 08 min
